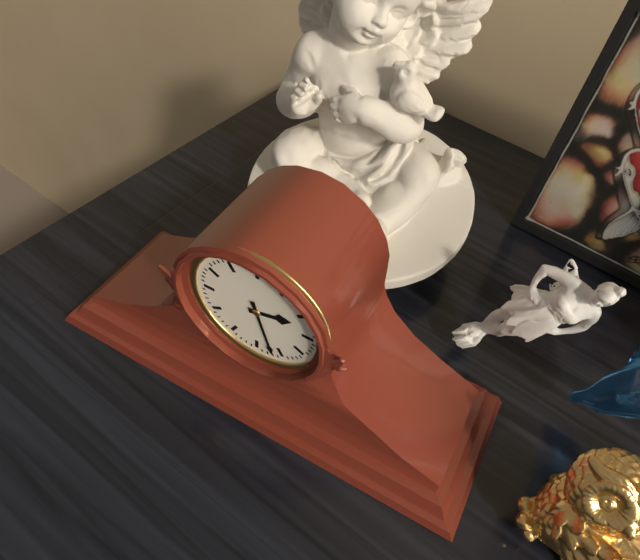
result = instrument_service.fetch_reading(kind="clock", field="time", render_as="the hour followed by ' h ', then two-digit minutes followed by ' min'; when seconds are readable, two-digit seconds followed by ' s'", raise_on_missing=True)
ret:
2 h 27 min
